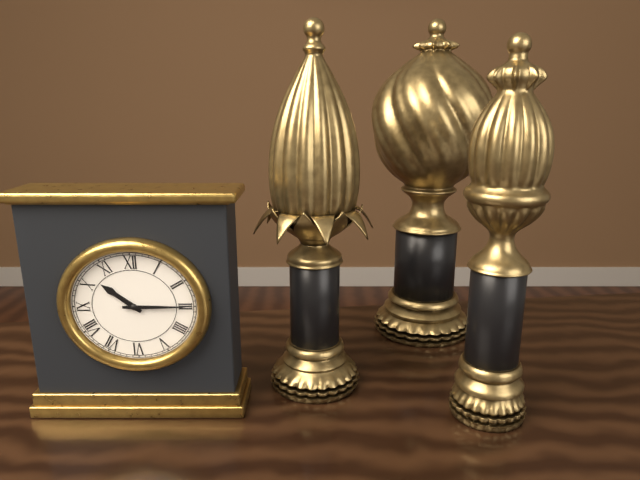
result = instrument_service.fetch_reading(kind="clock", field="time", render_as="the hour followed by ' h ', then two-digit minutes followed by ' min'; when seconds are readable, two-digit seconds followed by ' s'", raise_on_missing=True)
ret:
10 h 15 min
